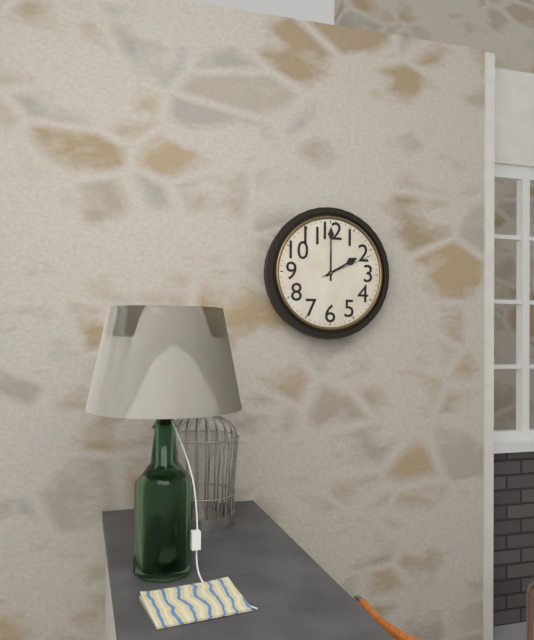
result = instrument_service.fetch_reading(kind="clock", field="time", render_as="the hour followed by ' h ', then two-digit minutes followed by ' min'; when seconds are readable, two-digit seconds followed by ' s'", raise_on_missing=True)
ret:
2 h 00 min 11 s
